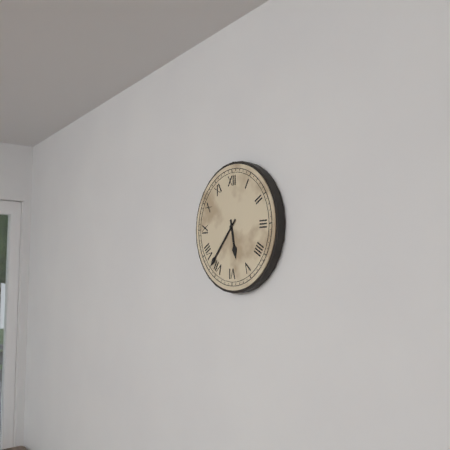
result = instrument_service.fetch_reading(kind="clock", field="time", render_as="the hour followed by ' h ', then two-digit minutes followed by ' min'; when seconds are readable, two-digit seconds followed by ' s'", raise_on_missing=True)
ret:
5 h 37 min
